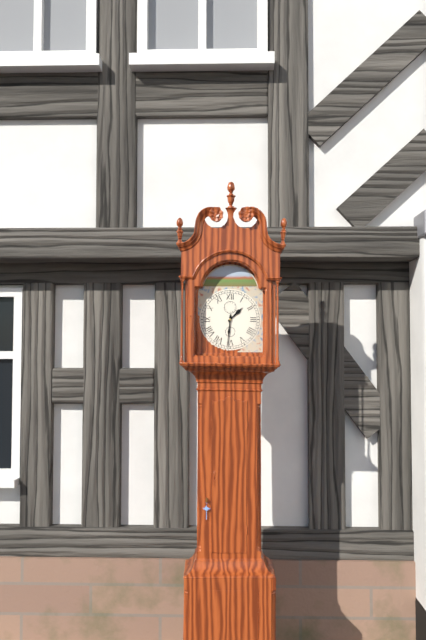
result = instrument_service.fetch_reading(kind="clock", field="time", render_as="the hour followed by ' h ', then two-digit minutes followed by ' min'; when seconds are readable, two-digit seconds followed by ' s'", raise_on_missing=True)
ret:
1 h 31 min
